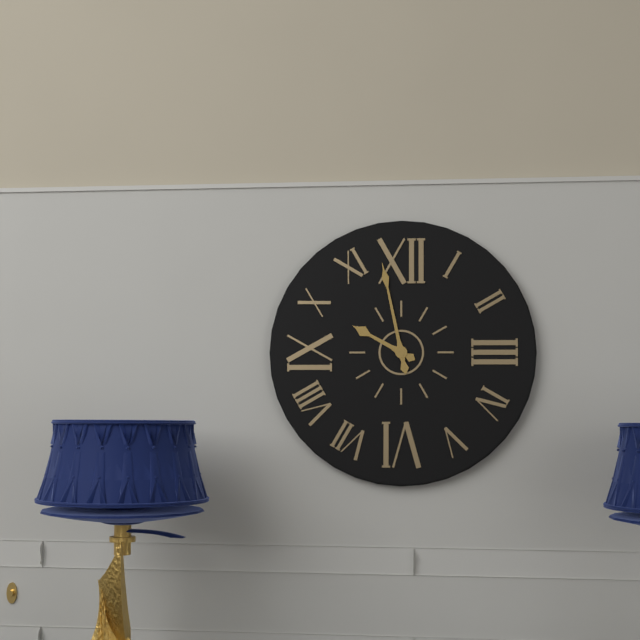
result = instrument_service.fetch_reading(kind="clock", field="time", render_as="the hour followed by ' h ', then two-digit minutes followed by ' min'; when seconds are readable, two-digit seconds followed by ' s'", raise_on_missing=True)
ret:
9 h 58 min
